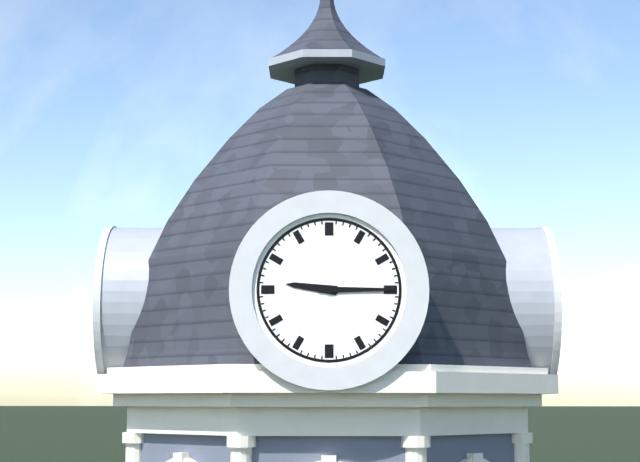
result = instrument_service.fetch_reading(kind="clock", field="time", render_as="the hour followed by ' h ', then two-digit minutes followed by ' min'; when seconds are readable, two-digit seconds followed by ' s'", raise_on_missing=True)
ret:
9 h 15 min
